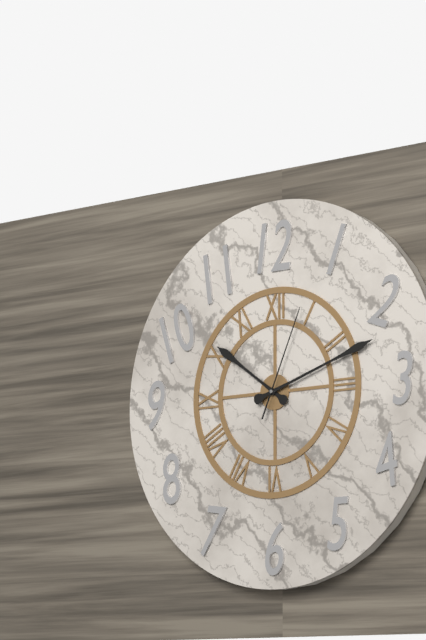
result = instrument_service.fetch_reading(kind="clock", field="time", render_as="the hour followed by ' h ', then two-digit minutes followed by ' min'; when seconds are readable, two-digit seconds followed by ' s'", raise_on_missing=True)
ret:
10 h 12 min 04 s
